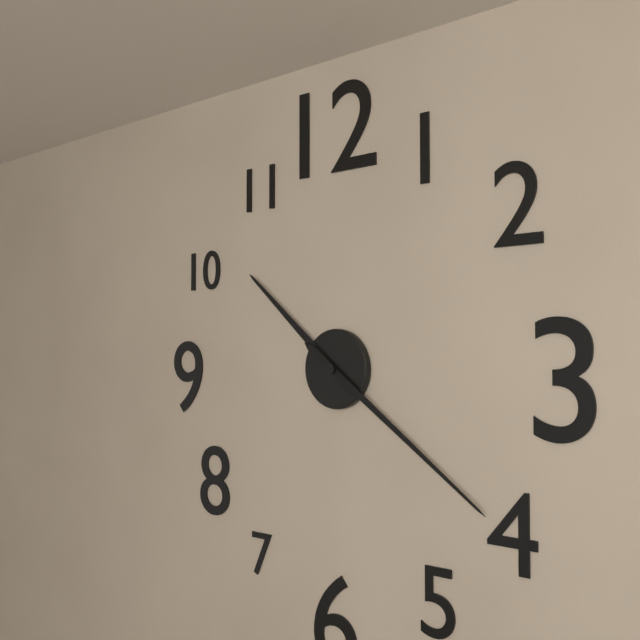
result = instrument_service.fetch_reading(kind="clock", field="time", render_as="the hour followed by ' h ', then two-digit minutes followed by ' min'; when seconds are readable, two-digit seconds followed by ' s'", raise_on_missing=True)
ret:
10 h 21 min
